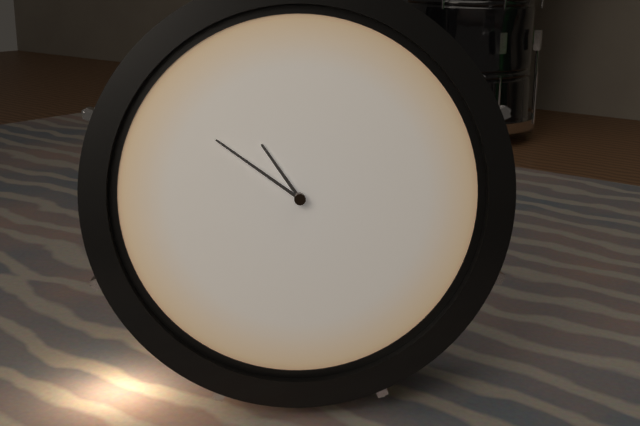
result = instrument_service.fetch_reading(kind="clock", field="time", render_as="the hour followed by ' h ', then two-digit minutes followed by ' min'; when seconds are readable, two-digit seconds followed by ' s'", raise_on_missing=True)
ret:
10 h 51 min
